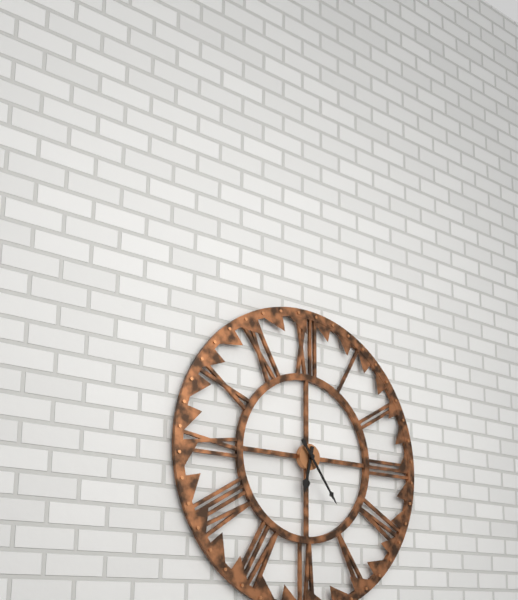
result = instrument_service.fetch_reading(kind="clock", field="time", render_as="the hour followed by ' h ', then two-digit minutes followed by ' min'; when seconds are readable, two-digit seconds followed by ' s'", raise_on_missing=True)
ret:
6 h 24 min
